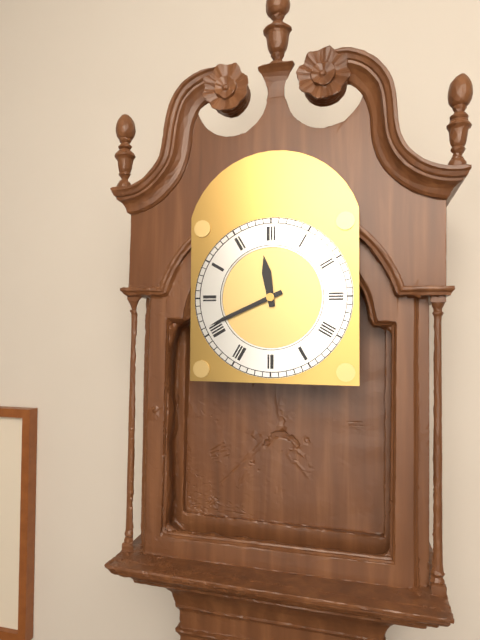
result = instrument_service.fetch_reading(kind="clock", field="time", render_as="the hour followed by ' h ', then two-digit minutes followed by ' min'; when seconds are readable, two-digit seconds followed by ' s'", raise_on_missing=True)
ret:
11 h 41 min
